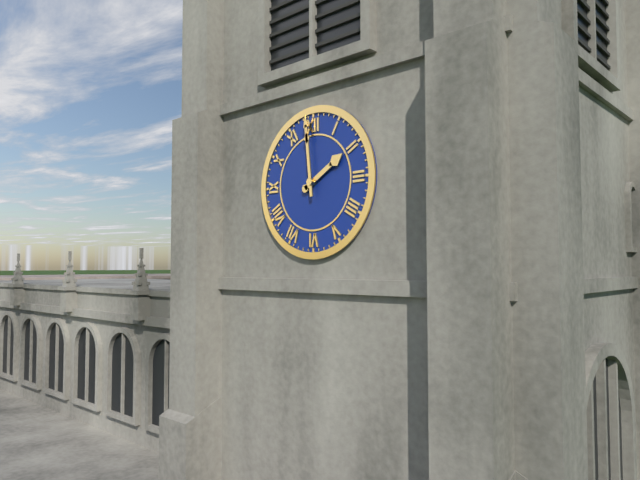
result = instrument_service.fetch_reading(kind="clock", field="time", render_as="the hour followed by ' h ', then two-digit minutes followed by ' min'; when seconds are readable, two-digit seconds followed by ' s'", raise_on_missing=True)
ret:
1 h 59 min
